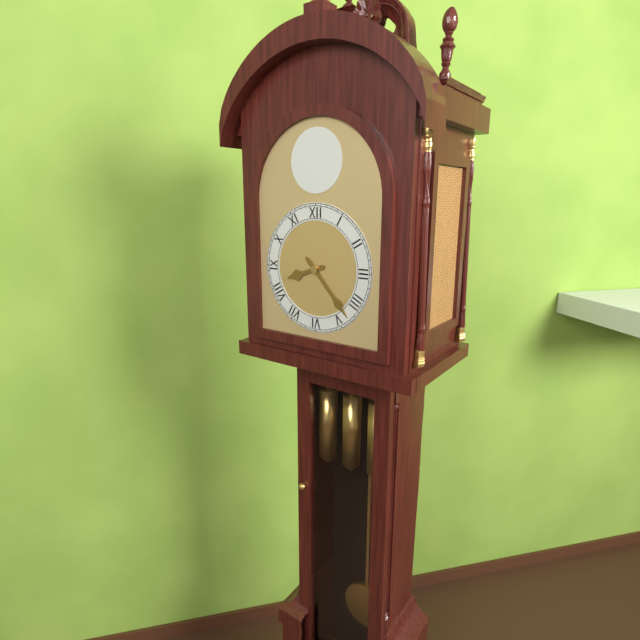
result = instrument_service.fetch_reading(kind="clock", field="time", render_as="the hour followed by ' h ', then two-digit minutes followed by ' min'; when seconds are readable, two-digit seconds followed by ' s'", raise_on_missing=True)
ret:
8 h 23 min
